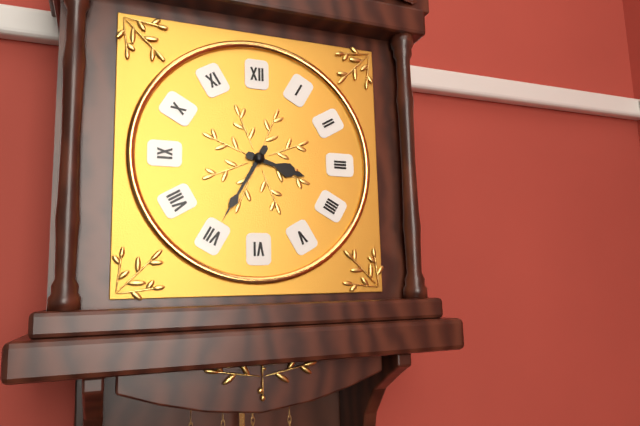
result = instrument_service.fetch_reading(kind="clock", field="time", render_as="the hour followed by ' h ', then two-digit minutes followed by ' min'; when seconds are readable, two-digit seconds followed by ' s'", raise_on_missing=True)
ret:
3 h 35 min
